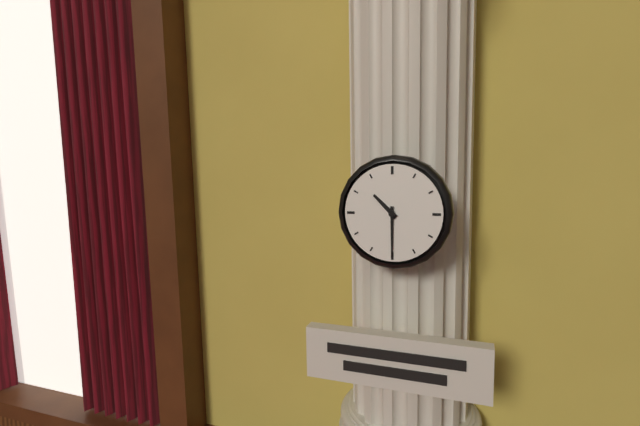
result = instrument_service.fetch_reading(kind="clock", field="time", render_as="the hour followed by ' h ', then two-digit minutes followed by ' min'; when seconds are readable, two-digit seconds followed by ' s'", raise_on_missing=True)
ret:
10 h 30 min
